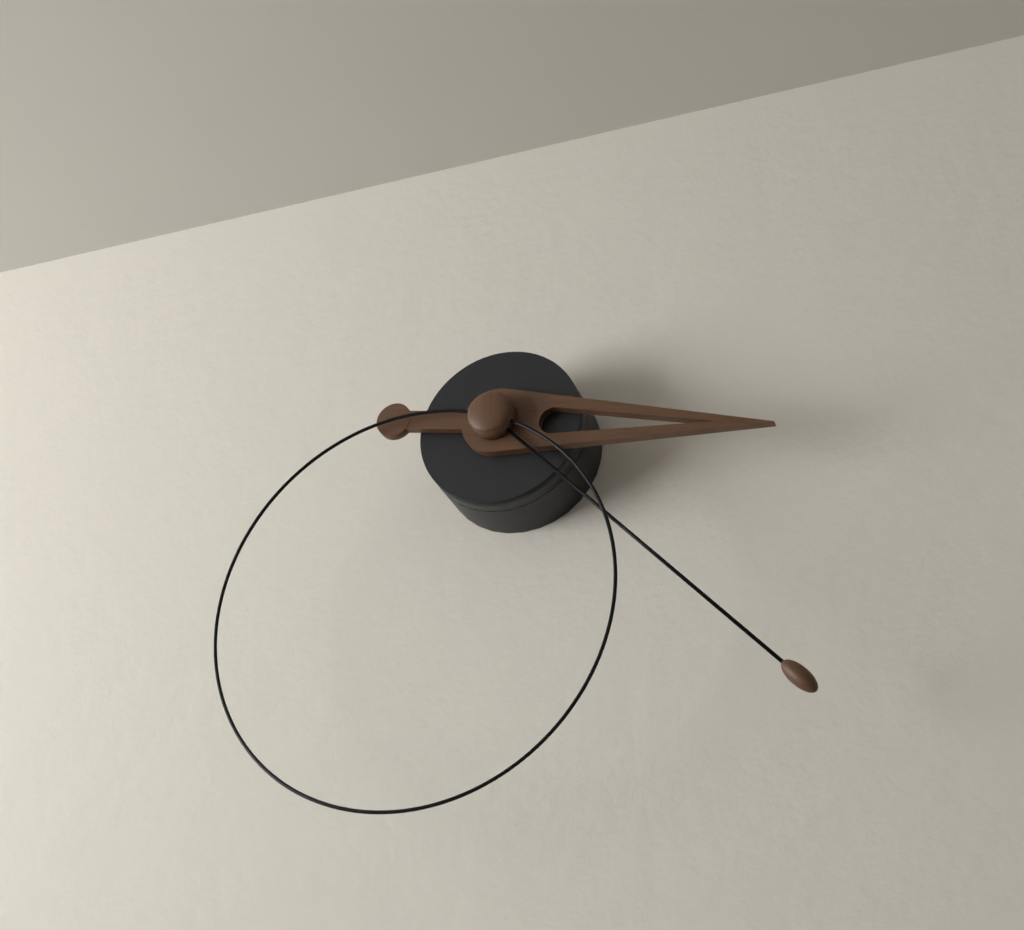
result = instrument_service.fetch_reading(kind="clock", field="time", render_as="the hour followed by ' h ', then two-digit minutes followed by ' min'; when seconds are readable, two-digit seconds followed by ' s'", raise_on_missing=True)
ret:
3 h 23 min 34 s
